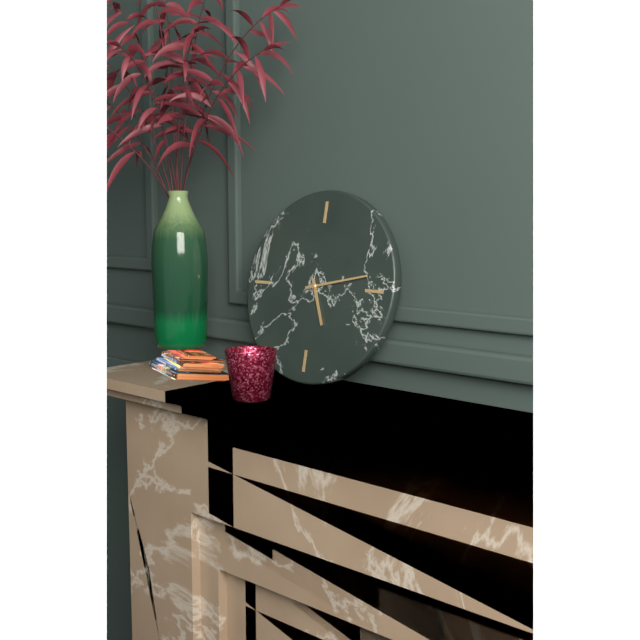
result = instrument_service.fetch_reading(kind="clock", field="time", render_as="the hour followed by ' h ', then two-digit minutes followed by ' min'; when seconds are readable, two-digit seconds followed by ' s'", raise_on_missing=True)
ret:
5 h 13 min
